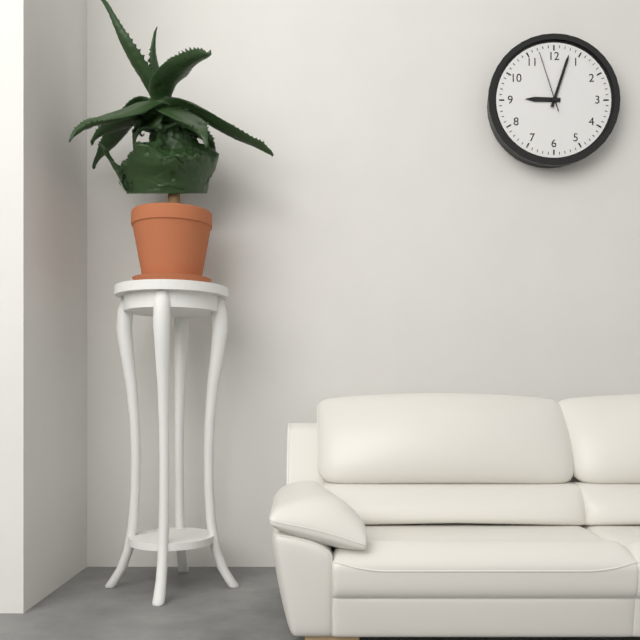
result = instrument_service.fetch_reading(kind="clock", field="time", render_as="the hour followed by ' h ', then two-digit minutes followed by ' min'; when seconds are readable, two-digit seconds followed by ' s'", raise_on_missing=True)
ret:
9 h 03 min 57 s
